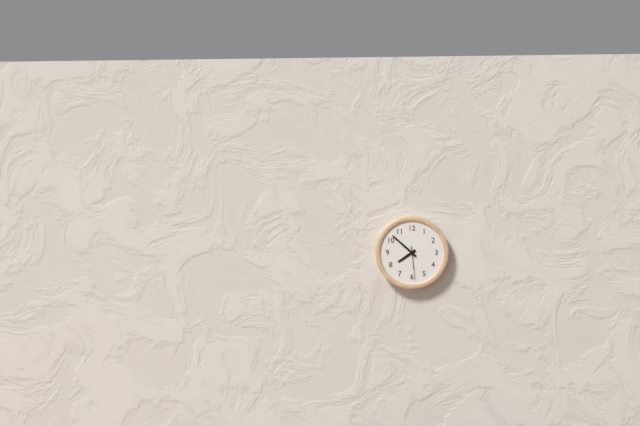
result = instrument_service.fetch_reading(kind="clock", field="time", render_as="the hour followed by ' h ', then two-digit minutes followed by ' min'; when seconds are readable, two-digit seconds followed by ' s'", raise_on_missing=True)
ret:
7 h 52 min
